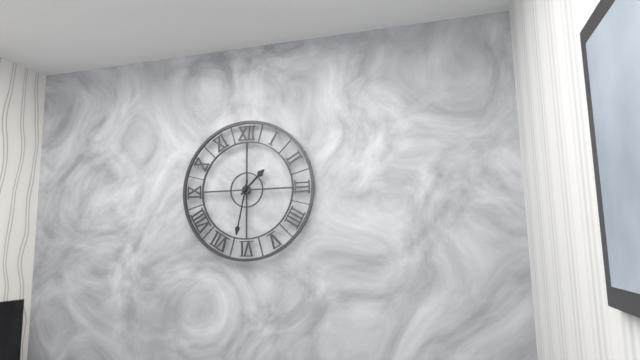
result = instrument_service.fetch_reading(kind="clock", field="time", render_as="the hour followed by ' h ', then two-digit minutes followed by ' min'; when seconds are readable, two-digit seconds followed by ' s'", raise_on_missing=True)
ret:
1 h 32 min
